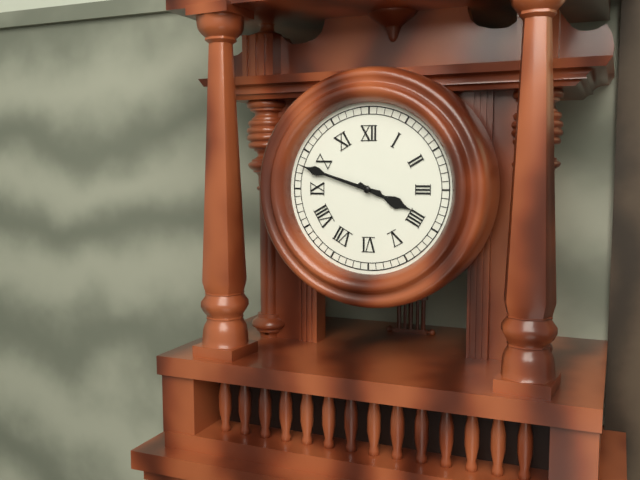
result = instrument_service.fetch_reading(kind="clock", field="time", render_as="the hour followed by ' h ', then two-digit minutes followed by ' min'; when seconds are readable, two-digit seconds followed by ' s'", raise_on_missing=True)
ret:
3 h 48 min
